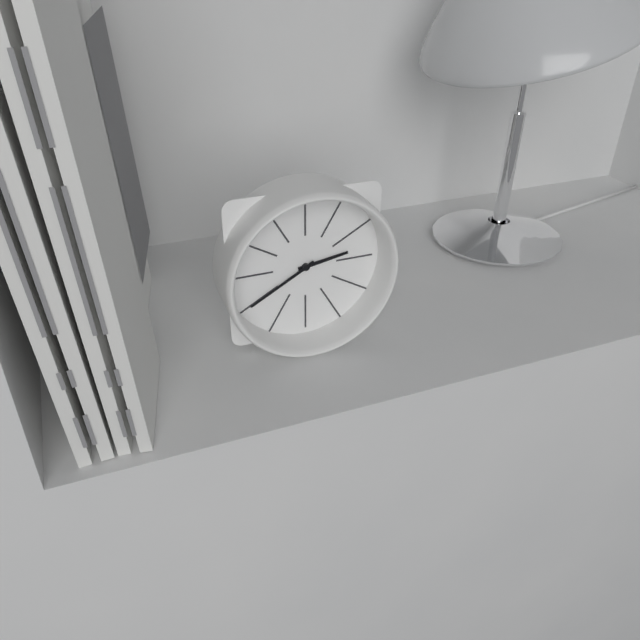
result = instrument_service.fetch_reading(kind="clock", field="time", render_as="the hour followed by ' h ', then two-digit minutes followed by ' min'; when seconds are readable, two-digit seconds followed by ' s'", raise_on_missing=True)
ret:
2 h 40 min
